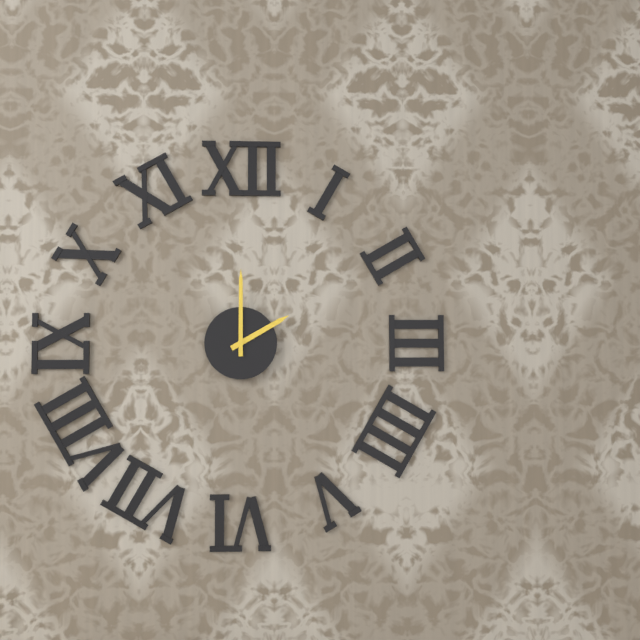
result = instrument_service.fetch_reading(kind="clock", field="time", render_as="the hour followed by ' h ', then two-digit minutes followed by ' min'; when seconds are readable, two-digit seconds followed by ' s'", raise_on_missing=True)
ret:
2 h 00 min
